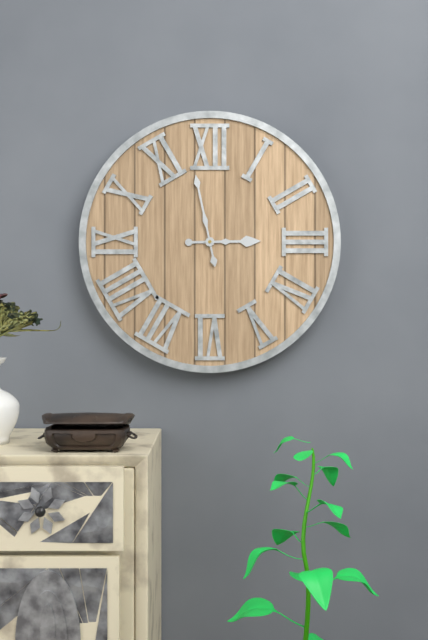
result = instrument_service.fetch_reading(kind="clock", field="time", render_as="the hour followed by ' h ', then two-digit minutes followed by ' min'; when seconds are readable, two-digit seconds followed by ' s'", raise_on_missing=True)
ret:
2 h 58 min
